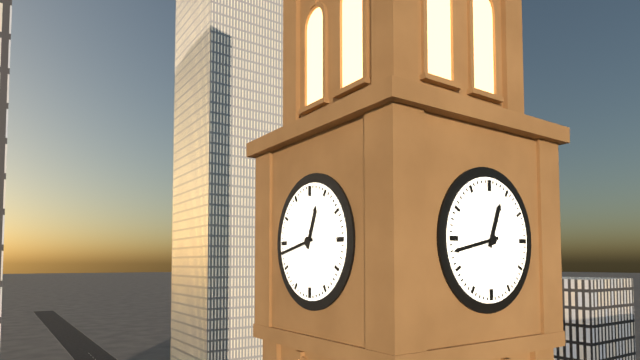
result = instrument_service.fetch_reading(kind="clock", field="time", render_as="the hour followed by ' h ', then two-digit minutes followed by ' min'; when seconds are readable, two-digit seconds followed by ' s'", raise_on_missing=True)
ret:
12 h 43 min
